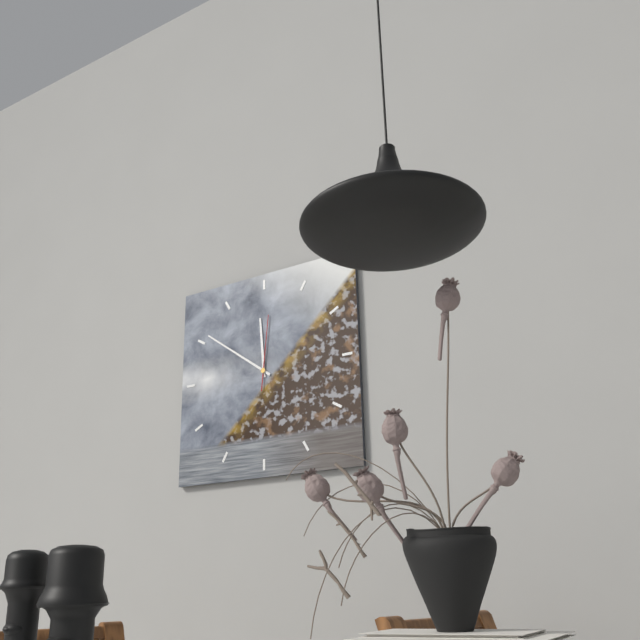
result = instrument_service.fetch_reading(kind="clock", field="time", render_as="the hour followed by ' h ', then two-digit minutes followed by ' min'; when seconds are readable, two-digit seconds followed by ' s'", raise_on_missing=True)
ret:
11 h 51 min 01 s
